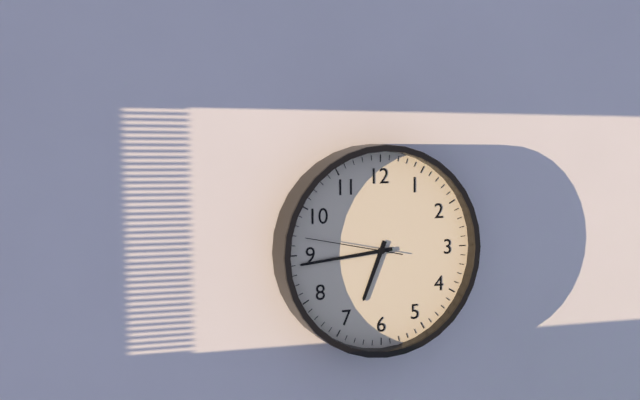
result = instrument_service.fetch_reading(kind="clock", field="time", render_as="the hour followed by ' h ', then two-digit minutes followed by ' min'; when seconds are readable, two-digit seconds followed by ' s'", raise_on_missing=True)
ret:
6 h 44 min 47 s
